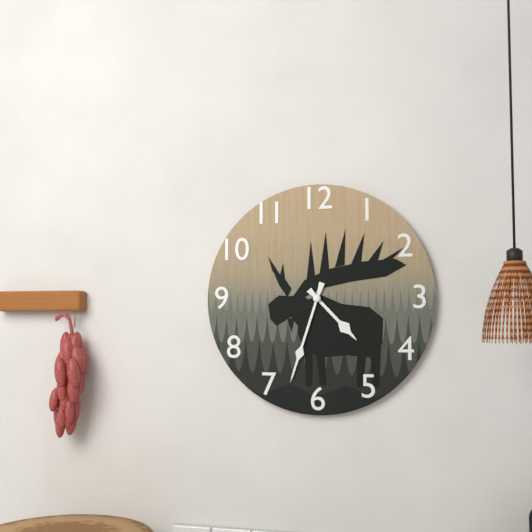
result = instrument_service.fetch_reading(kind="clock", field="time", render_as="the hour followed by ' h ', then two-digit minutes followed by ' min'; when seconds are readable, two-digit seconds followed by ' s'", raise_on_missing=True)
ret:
4 h 33 min
